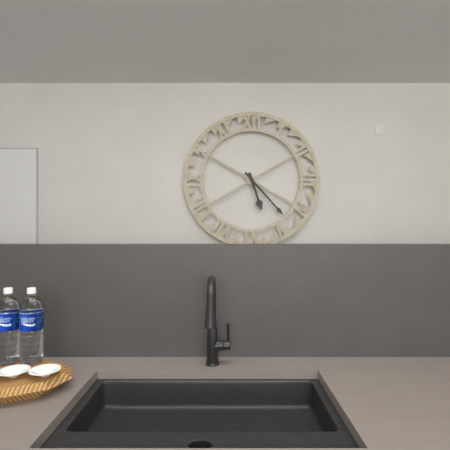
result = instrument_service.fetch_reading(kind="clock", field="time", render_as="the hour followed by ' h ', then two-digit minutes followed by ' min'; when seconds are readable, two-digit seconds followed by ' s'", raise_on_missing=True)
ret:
5 h 23 min
